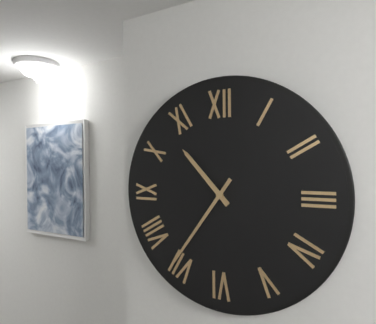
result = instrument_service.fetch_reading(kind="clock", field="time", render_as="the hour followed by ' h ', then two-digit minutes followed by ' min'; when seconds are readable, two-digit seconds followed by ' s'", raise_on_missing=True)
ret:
10 h 36 min
